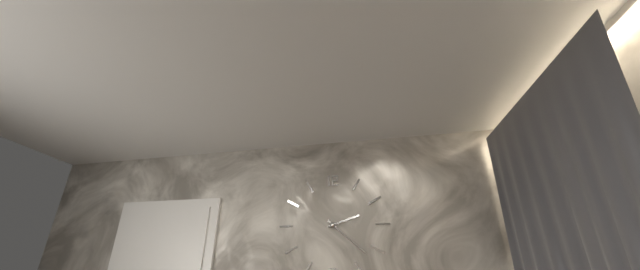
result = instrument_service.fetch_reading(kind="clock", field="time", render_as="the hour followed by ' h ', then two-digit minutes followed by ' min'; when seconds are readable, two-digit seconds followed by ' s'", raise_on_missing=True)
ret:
2 h 22 min
